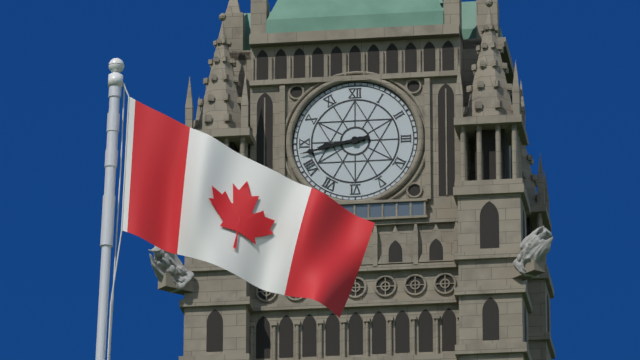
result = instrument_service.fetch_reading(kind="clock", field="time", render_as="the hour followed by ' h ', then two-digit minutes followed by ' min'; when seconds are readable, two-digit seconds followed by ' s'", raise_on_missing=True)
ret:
8 h 43 min
